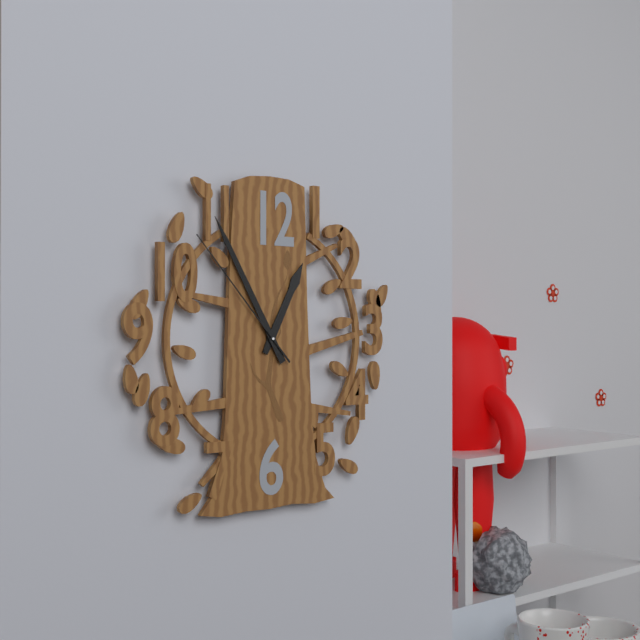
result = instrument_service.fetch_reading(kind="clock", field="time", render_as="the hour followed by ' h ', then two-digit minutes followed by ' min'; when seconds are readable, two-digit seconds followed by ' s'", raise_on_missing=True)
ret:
12 h 55 min 53 s
